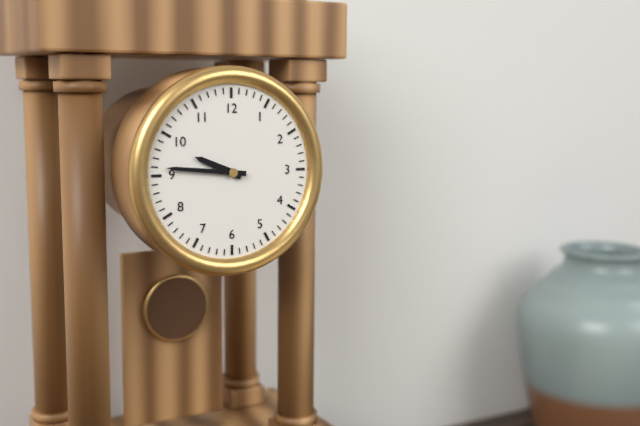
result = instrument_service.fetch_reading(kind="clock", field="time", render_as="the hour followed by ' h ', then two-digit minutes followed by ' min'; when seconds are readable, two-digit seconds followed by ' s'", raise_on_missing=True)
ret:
9 h 46 min
